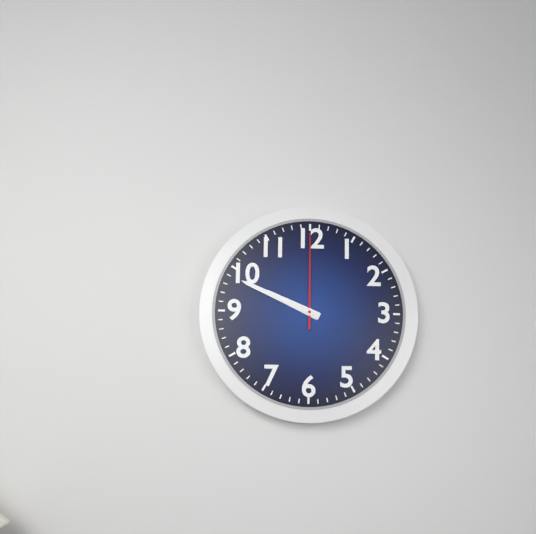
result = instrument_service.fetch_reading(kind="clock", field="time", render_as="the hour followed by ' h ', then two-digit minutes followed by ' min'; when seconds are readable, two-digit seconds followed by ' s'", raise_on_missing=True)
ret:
9 h 49 min 00 s
